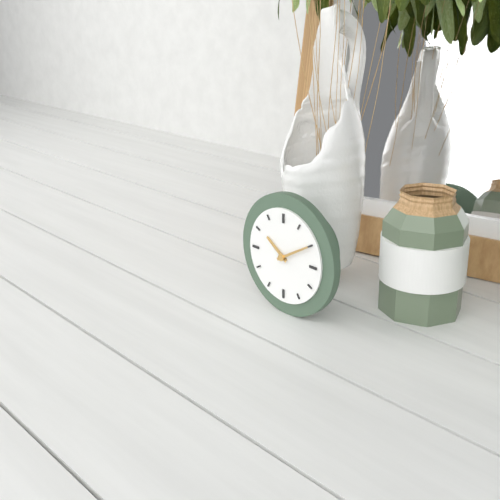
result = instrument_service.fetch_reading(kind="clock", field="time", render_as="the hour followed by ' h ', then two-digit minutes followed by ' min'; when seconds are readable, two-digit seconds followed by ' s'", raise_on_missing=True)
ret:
10 h 10 min
